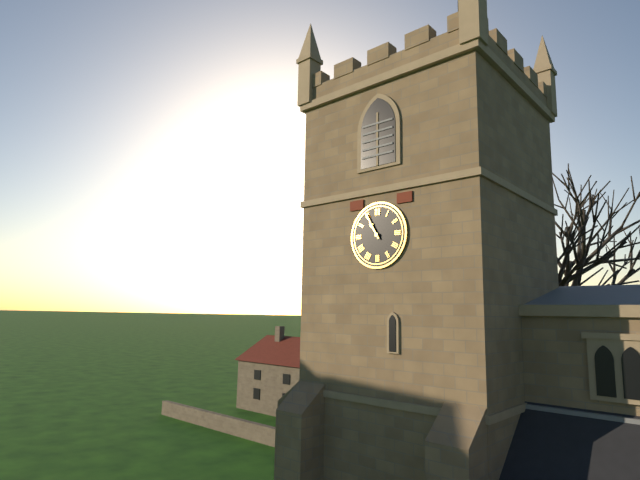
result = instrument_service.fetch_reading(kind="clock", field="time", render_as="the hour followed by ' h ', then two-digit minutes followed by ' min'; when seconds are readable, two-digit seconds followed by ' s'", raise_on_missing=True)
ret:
10 h 55 min
